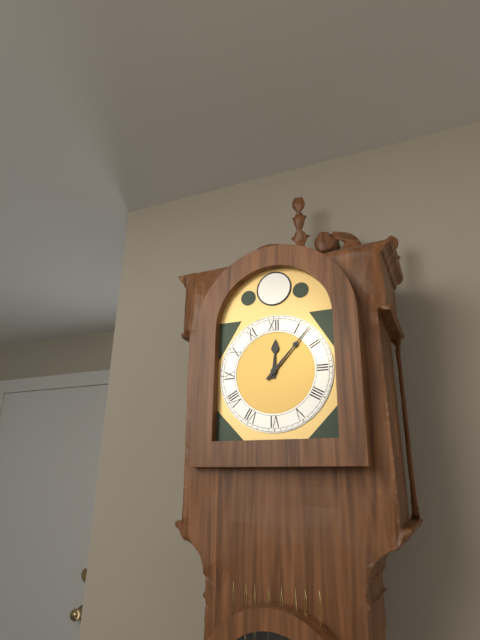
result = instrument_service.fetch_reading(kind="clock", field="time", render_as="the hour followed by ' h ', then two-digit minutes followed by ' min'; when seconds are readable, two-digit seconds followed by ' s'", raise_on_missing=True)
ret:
12 h 07 min
